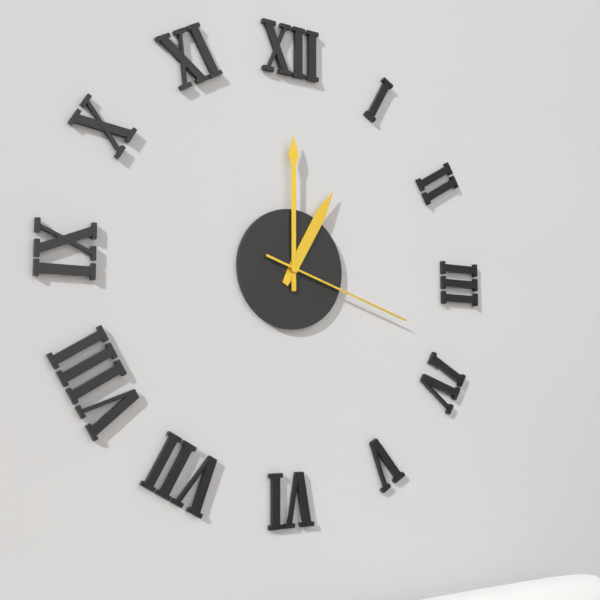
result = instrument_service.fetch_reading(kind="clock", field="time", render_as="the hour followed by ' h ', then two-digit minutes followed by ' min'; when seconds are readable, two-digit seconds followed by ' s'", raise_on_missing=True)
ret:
1 h 00 min 18 s
